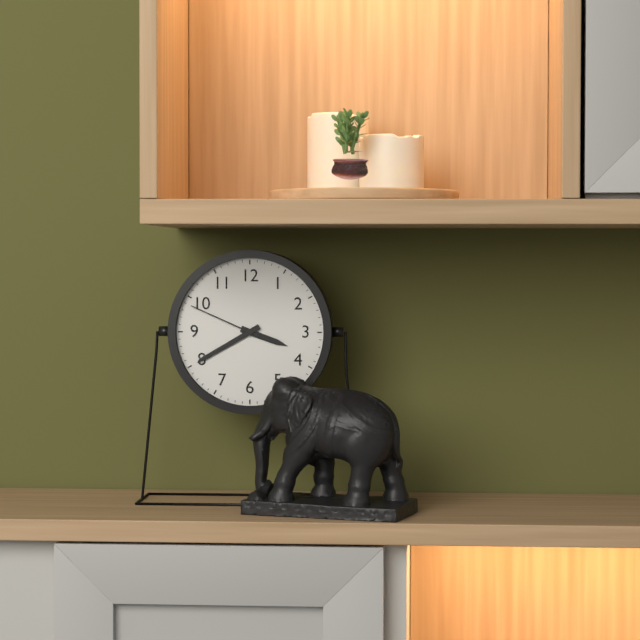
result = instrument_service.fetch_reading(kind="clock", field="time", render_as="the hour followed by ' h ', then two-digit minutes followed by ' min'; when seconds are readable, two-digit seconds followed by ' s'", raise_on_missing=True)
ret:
3 h 40 min 49 s
